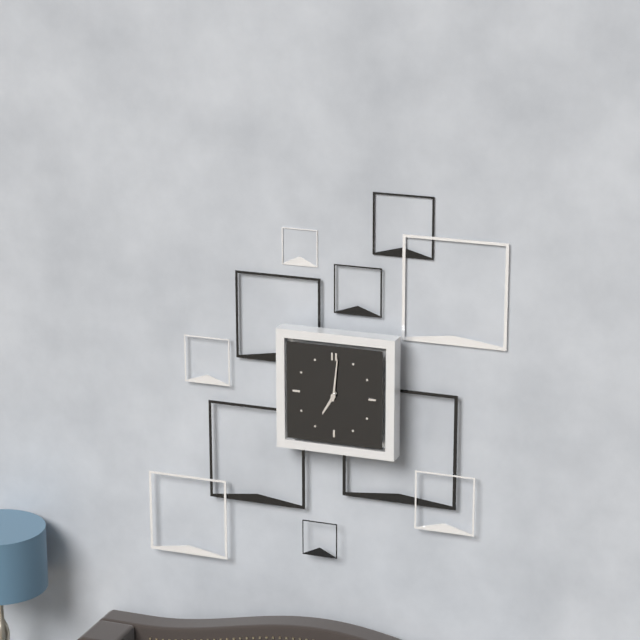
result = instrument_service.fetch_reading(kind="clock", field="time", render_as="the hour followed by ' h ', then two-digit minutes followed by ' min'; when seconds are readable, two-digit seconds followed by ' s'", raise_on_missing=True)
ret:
7 h 01 min
